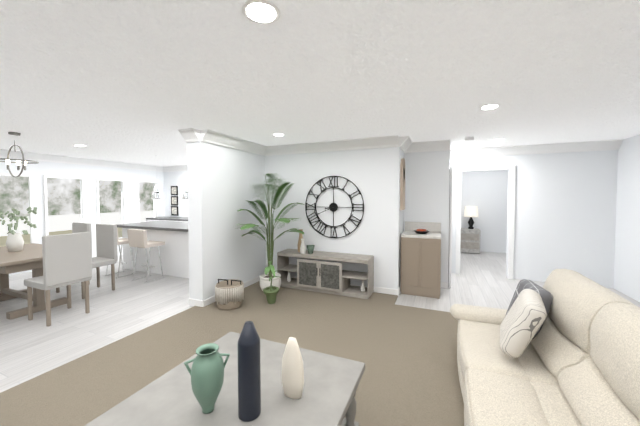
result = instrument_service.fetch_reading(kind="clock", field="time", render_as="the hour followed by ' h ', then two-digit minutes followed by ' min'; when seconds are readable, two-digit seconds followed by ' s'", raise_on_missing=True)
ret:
8 h 41 min
